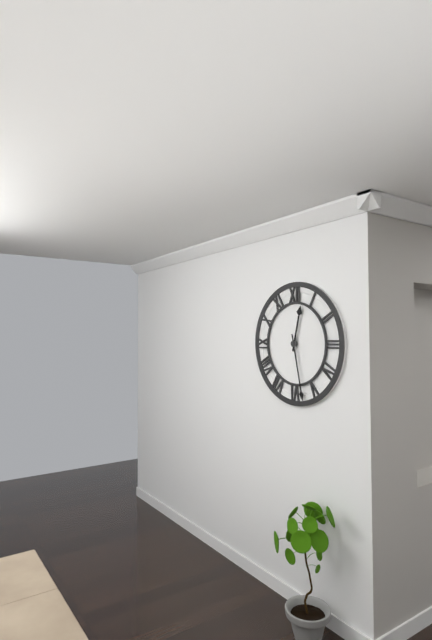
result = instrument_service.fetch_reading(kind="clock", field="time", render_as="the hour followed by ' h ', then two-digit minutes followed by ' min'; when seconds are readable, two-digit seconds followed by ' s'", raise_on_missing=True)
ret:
12 h 28 min
